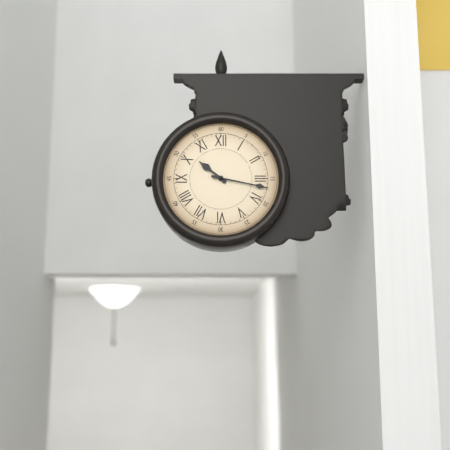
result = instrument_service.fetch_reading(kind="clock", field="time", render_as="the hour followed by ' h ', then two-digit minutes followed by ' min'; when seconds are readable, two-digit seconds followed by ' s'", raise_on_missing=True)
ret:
10 h 17 min
